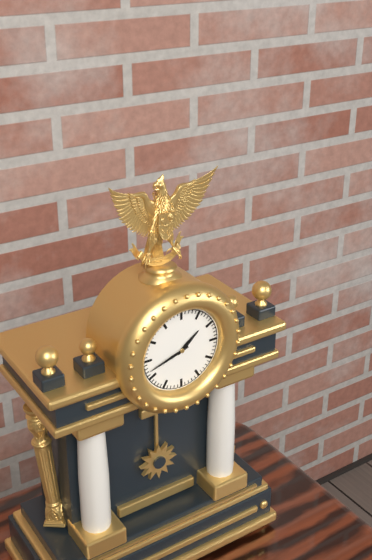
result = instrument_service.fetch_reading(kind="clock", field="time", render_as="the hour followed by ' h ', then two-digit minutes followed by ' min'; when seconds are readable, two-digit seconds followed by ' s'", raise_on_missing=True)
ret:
1 h 42 min
